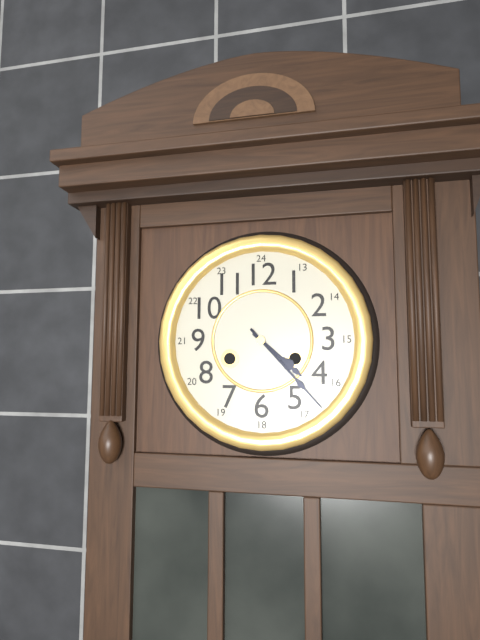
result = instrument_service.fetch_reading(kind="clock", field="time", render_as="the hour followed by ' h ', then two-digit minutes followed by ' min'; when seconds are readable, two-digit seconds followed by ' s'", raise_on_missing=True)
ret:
4 h 23 min
